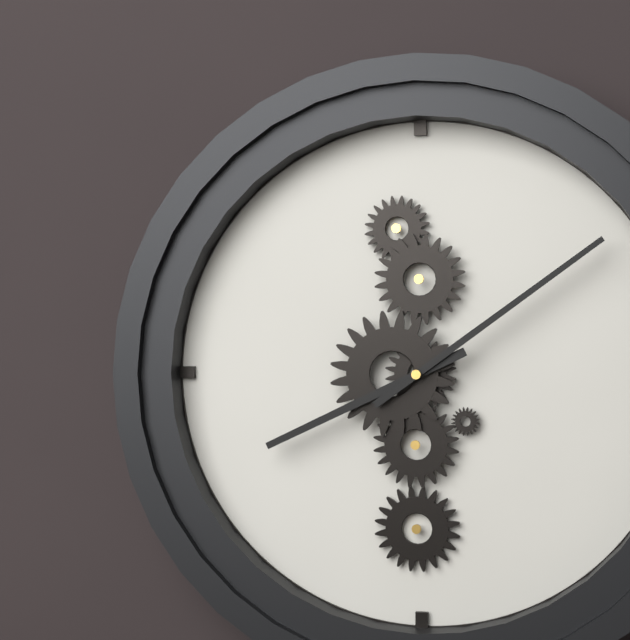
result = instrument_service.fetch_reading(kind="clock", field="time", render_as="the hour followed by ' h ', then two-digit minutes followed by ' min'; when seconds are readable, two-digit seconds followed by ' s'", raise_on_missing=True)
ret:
8 h 09 min
